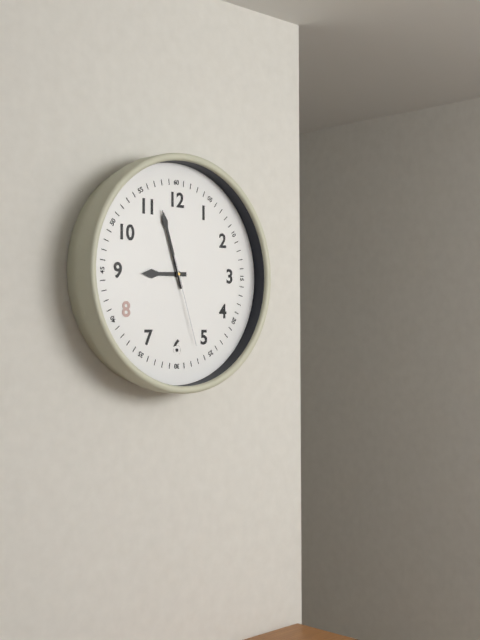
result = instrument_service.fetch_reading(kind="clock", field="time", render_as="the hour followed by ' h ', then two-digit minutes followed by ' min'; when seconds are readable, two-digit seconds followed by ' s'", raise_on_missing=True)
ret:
8 h 57 min 27 s
